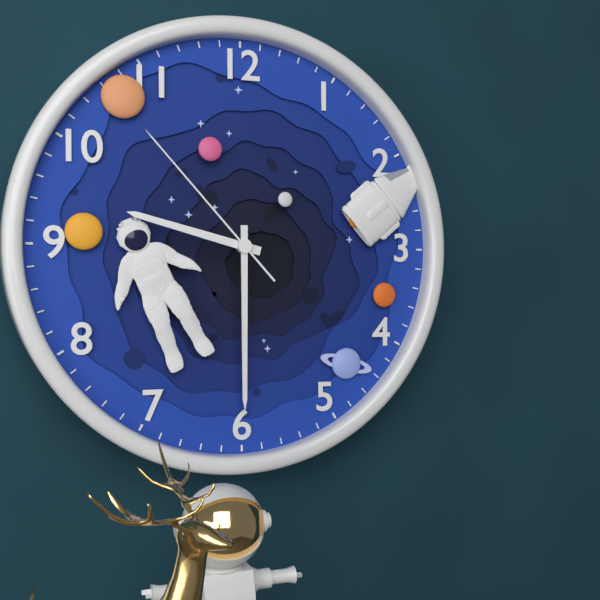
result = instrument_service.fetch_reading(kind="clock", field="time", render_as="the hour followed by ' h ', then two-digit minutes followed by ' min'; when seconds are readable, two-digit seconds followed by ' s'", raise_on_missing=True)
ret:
9 h 30 min 53 s
